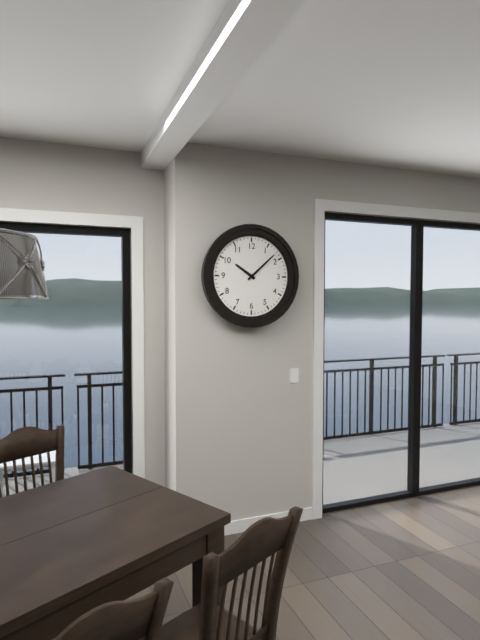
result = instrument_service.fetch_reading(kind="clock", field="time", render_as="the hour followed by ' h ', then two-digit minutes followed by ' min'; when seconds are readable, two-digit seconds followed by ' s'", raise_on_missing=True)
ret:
10 h 08 min
